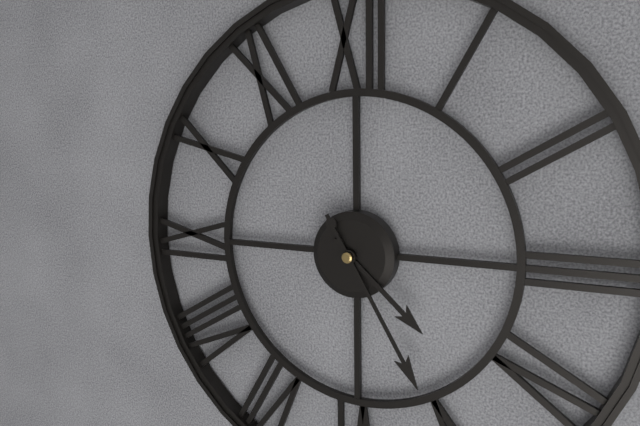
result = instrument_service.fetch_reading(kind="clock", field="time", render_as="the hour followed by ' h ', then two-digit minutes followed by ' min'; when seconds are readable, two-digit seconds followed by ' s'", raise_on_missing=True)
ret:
4 h 25 min
